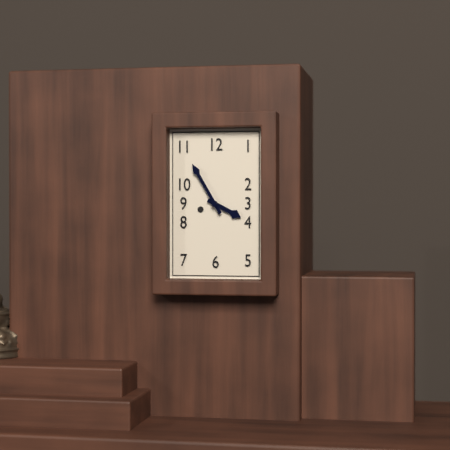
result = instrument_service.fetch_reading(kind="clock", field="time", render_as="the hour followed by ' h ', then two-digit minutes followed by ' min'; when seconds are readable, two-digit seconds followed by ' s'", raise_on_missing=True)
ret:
3 h 55 min
